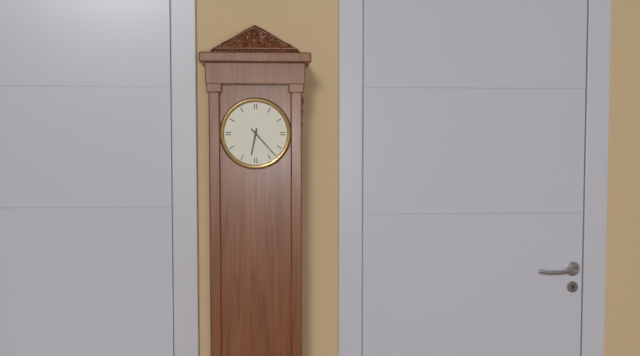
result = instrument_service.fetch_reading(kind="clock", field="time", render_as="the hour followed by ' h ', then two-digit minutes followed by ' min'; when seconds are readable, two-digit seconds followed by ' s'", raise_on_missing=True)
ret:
6 h 23 min
